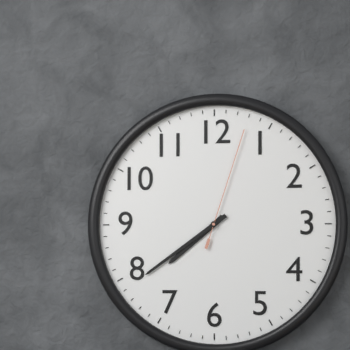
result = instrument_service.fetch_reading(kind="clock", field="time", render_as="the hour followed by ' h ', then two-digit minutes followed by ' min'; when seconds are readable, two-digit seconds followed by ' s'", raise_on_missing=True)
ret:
7 h 39 min 03 s
